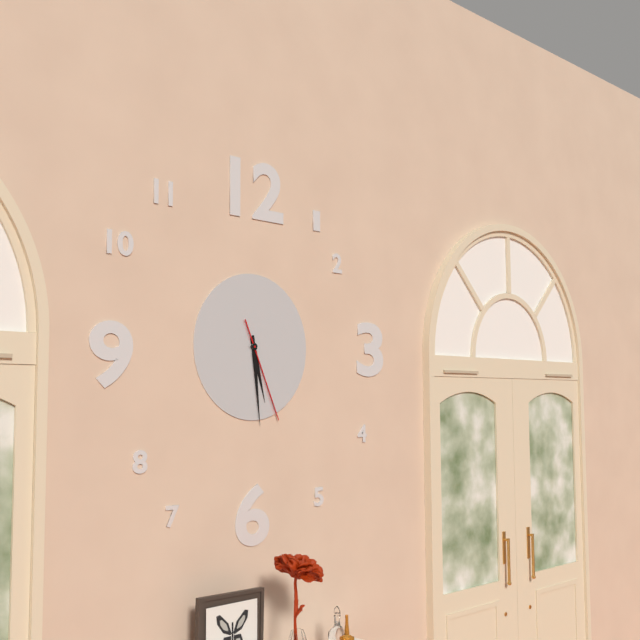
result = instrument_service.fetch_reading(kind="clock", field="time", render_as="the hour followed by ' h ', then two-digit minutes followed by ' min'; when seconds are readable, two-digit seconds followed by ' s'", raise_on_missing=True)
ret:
5 h 29 min 26 s
